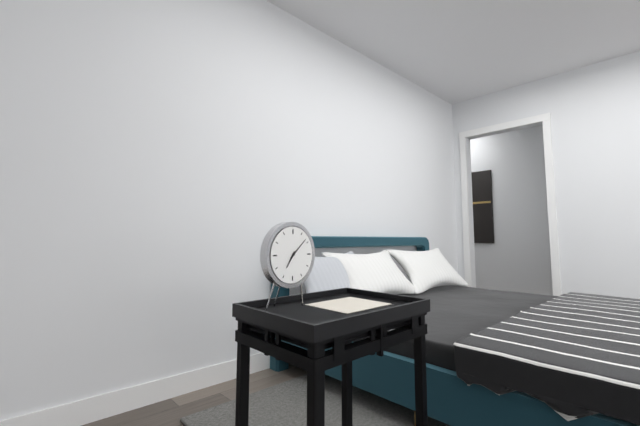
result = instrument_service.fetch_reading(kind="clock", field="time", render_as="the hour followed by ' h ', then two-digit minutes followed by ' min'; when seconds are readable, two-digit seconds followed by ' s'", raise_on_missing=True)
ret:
7 h 08 min
